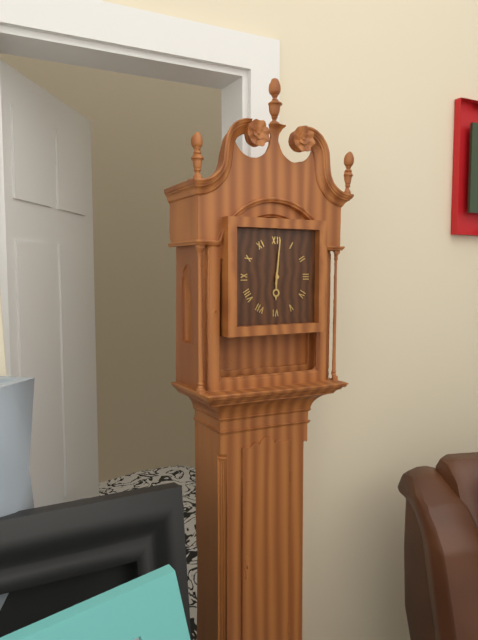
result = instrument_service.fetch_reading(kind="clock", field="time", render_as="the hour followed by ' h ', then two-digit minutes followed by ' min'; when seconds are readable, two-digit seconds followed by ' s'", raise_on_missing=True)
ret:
6 h 01 min
